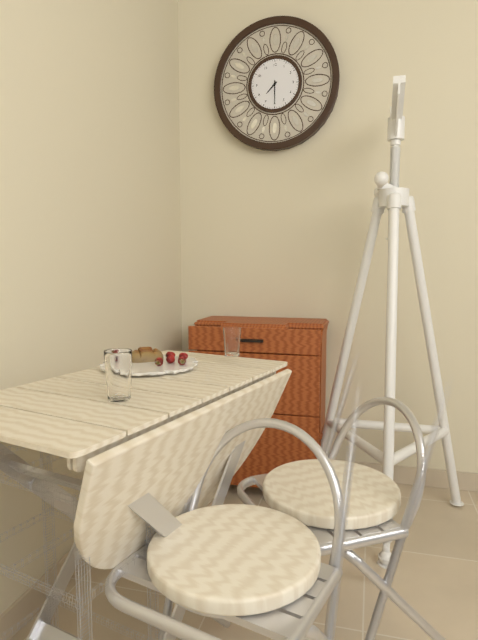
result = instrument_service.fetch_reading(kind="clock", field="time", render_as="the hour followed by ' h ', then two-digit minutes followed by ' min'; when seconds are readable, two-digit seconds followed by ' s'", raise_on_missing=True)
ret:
7 h 30 min
